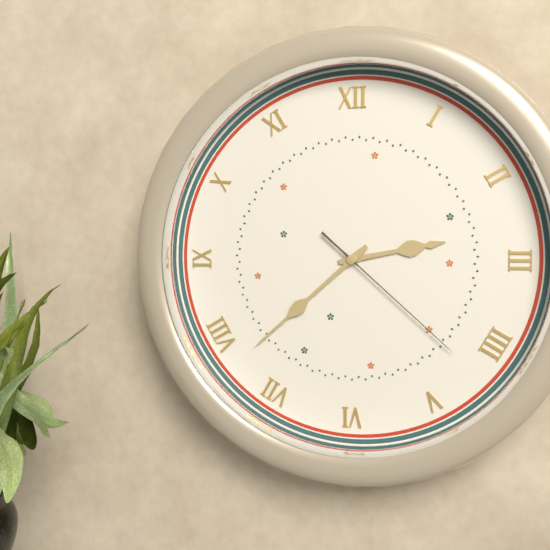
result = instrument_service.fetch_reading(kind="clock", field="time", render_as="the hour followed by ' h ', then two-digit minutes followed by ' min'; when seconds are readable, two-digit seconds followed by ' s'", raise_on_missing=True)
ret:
2 h 38 min 22 s
